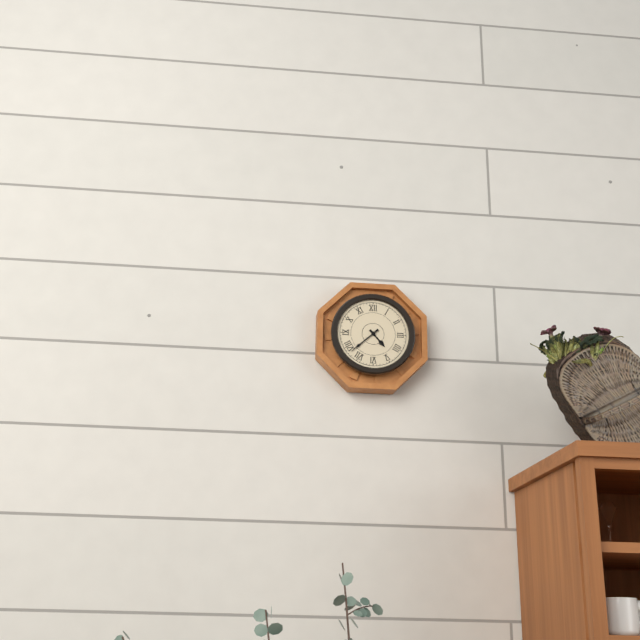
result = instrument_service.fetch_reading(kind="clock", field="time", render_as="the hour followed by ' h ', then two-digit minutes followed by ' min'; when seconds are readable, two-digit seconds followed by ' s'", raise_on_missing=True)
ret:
4 h 38 min
